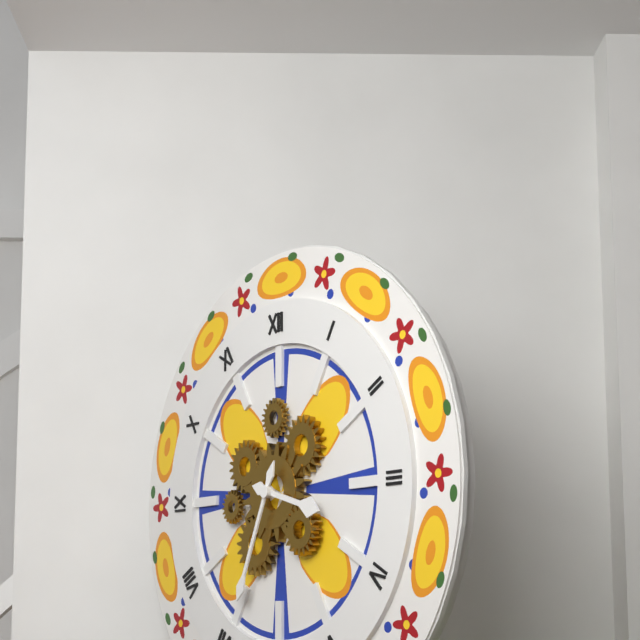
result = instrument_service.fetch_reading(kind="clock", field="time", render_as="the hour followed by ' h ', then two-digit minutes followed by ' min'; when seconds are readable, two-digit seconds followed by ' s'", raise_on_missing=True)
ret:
3 h 34 min
